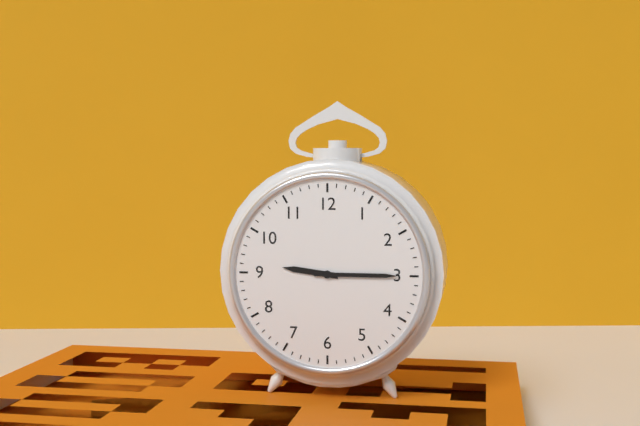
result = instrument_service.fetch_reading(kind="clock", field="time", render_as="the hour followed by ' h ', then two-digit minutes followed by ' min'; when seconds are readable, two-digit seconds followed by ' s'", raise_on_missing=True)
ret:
9 h 15 min
